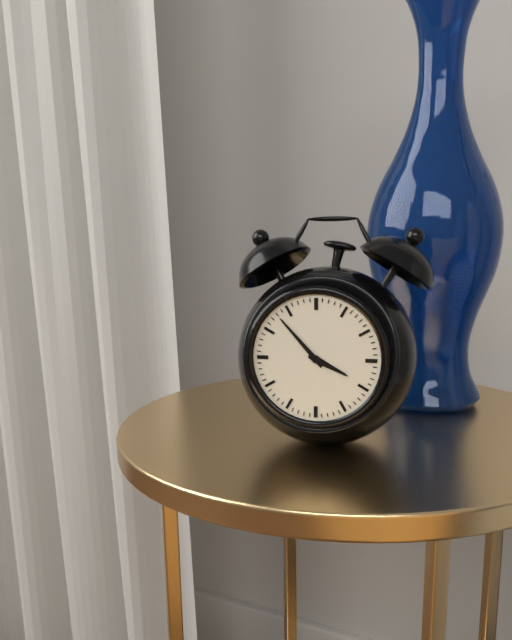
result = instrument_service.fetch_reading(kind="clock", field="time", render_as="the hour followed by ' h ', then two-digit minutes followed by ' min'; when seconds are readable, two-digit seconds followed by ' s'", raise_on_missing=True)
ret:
3 h 53 min
